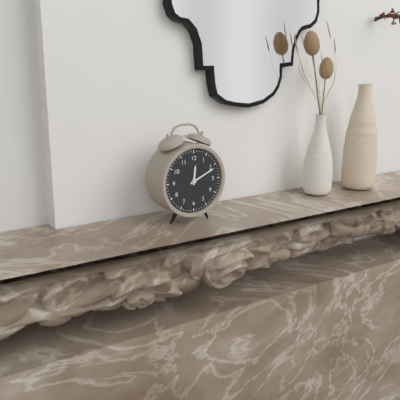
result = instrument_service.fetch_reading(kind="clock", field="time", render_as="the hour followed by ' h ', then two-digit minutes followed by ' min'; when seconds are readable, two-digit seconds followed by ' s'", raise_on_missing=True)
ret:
12 h 11 min
